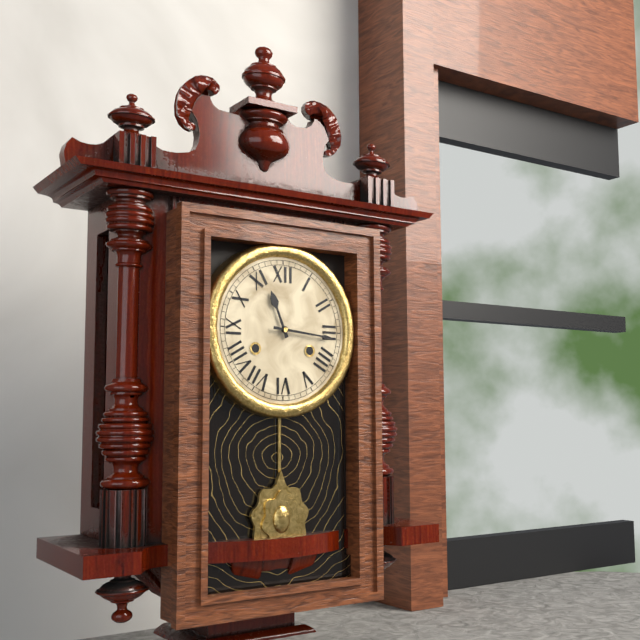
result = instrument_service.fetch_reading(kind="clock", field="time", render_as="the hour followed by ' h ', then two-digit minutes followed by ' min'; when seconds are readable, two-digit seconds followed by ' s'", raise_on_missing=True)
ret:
11 h 16 min
